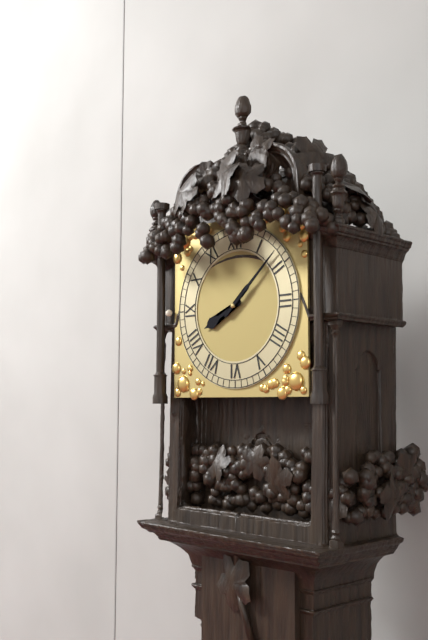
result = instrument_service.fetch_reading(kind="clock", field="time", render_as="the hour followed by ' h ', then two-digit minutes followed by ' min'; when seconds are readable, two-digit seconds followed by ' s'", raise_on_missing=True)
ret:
8 h 08 min
